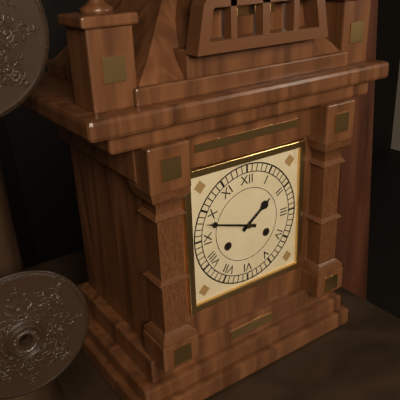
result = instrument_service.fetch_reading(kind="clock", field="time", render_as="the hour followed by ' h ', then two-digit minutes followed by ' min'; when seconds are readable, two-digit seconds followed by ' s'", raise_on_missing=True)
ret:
1 h 48 min
